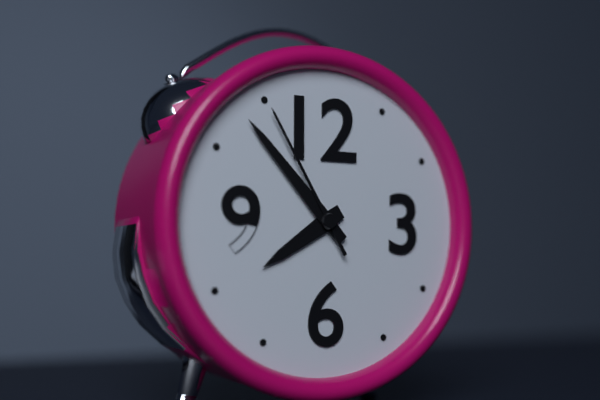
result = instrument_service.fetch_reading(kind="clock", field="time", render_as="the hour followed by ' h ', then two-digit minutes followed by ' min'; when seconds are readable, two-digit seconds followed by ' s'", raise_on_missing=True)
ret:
7 h 53 min 55 s
